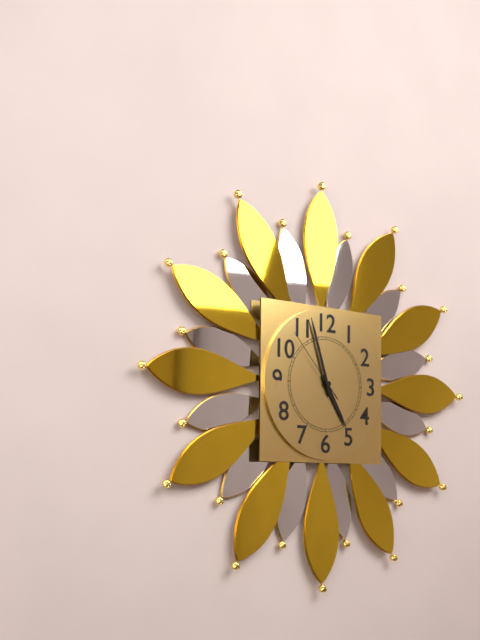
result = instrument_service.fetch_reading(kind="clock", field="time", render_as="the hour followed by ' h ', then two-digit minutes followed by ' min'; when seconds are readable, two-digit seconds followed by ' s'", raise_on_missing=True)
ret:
4 h 57 min 53 s
